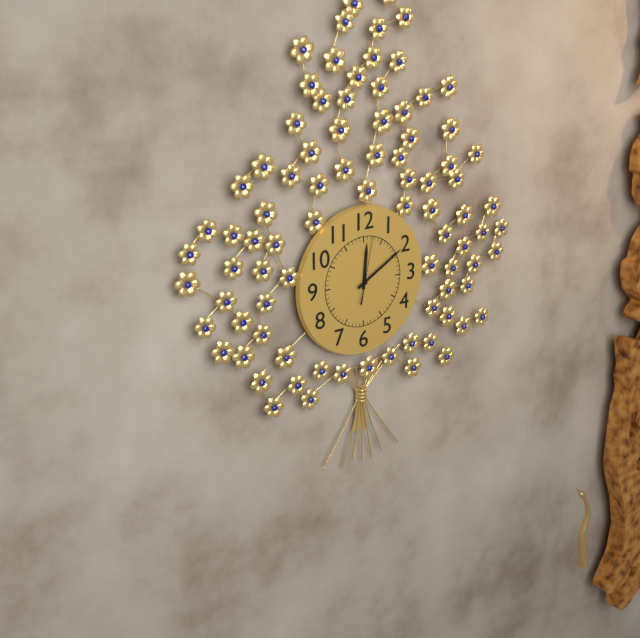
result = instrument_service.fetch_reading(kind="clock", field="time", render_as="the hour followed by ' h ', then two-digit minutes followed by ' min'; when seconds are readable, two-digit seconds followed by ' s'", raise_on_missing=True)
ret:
12 h 10 min 02 s
